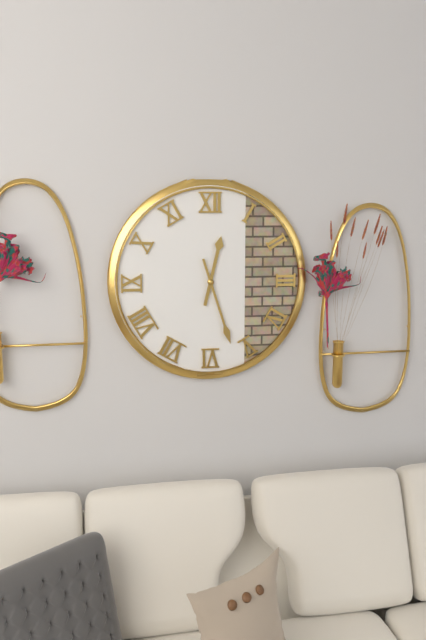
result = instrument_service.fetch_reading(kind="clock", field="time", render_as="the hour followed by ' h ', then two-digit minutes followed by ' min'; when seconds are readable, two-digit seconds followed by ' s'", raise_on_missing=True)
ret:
12 h 27 min
